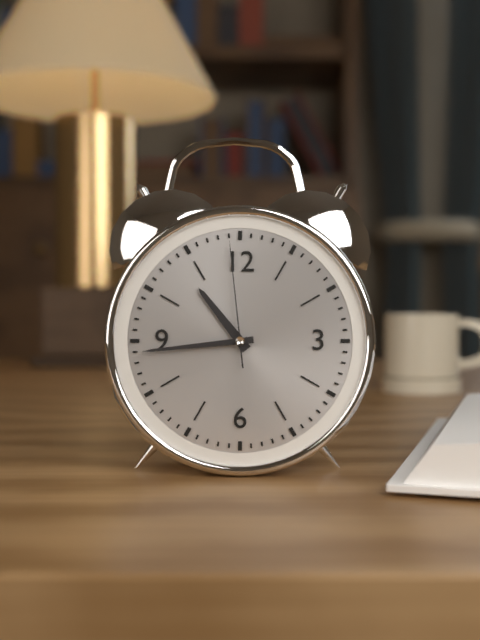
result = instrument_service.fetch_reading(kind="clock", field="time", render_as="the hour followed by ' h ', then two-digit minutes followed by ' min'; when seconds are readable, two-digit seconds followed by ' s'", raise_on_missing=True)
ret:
10 h 44 min 59 s
